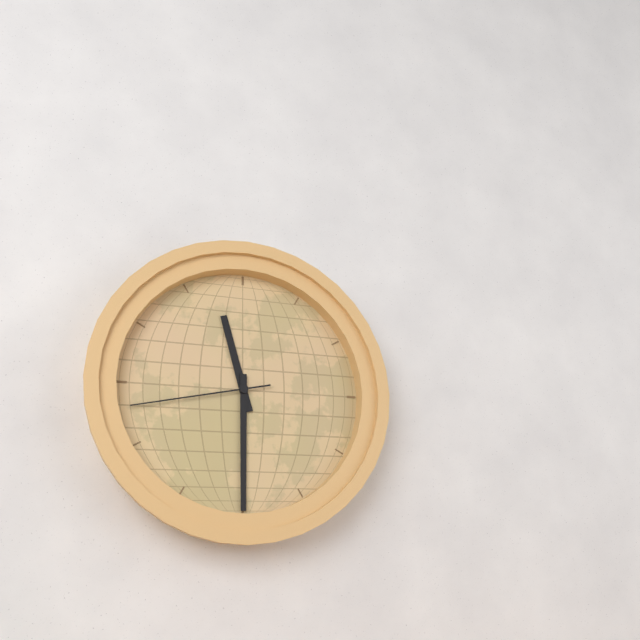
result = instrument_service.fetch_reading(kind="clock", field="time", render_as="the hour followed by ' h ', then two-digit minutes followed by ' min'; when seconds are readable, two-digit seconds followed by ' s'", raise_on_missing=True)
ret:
11 h 30 min 43 s
